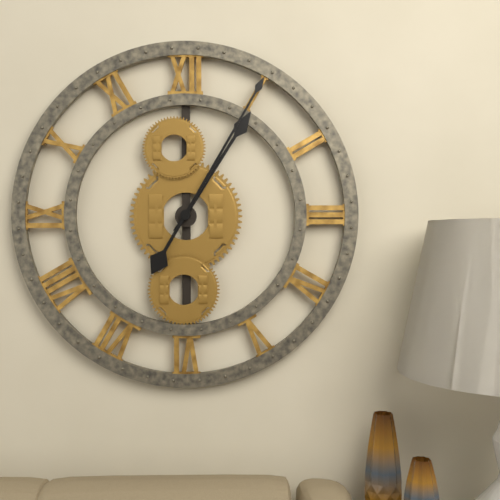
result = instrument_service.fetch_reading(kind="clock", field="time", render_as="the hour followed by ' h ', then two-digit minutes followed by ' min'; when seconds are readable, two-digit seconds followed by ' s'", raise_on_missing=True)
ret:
1 h 05 min
